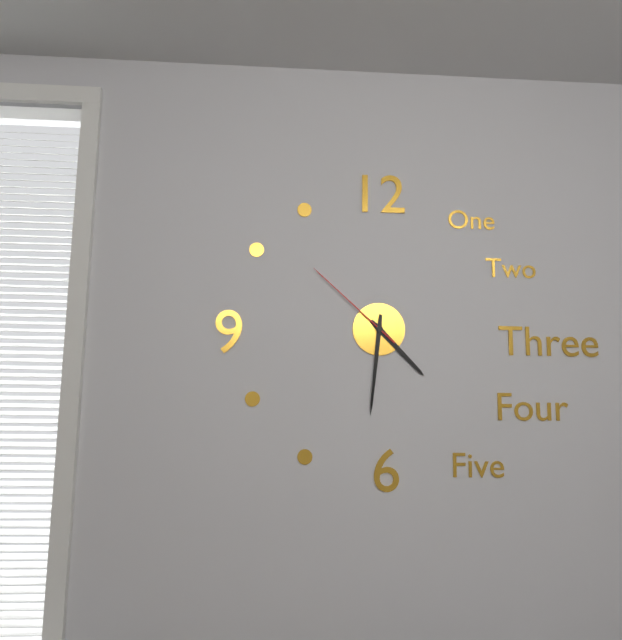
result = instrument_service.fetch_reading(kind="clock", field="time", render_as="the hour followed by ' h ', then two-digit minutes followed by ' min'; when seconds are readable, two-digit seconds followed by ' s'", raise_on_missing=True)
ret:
4 h 31 min 52 s
